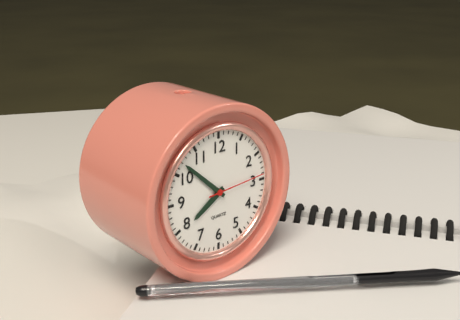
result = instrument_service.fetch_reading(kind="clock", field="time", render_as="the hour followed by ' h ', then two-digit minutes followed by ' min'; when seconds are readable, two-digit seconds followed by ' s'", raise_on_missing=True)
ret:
7 h 52 min 14 s
